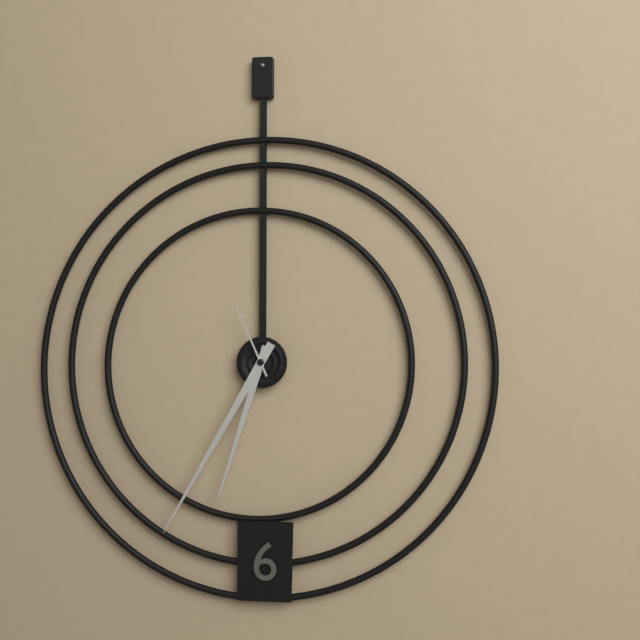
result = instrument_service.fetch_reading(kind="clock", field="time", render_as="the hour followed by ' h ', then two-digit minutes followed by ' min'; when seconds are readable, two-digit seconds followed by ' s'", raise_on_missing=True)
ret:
6 h 35 min 56 s
